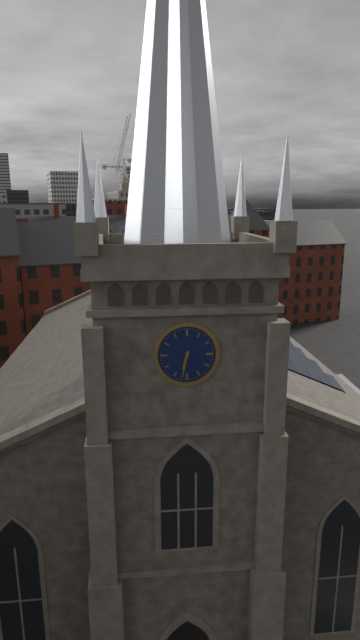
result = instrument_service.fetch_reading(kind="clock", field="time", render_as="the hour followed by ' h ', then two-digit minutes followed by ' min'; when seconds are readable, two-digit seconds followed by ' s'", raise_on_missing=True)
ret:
6 h 32 min
